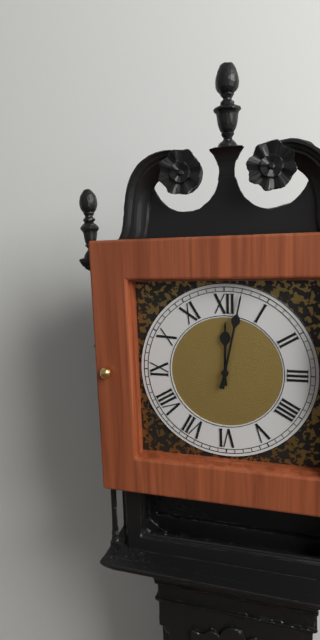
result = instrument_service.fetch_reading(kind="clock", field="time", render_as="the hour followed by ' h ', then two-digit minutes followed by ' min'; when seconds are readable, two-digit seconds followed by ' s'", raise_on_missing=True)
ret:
12 h 02 min
